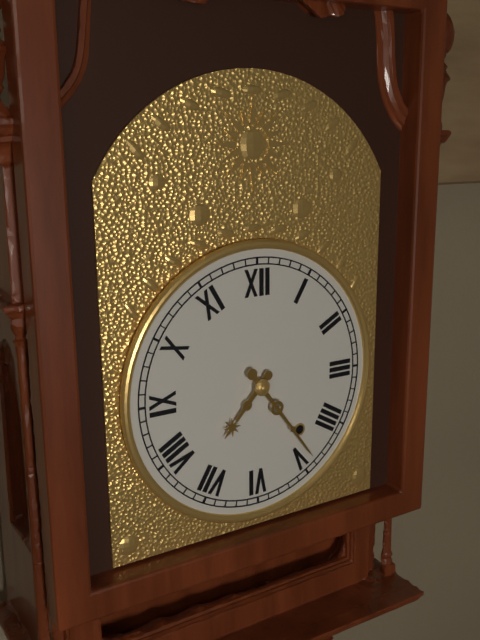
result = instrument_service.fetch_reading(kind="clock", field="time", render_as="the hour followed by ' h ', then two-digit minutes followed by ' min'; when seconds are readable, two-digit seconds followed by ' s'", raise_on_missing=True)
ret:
7 h 24 min
